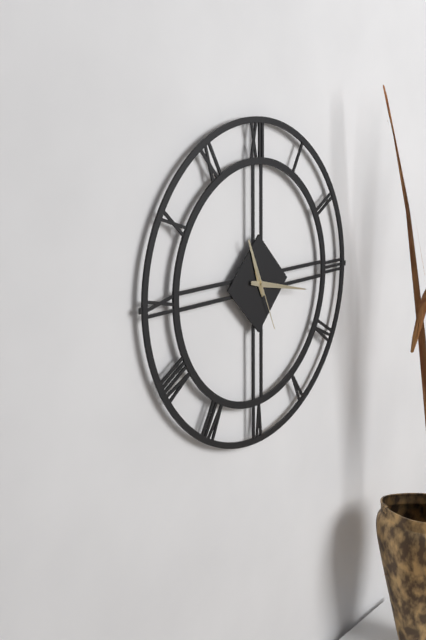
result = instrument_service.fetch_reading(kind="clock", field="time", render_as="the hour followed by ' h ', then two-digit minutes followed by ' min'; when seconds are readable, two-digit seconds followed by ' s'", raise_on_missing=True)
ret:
11 h 17 min 26 s
